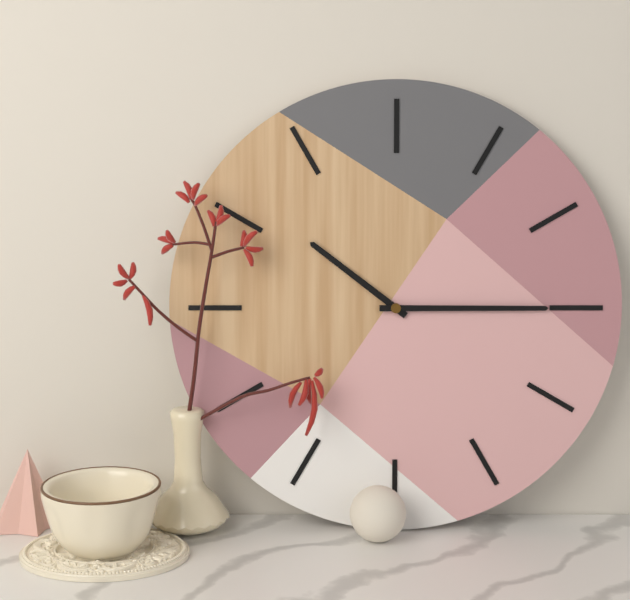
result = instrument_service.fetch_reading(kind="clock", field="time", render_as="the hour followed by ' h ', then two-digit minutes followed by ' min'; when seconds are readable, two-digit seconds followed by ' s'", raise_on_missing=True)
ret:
10 h 15 min
